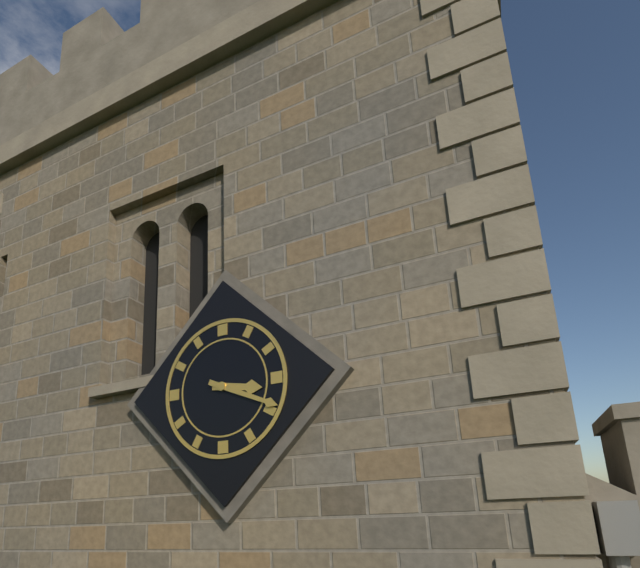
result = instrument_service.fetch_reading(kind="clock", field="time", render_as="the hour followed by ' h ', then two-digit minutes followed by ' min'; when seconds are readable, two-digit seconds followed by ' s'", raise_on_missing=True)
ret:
3 h 19 min
